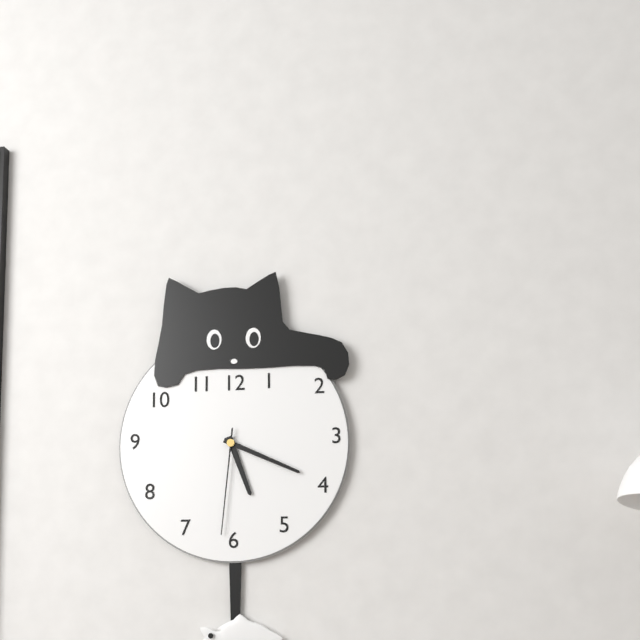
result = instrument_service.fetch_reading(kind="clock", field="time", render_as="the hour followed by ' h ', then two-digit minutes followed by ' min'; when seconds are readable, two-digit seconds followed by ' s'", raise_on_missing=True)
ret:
5 h 19 min 31 s
